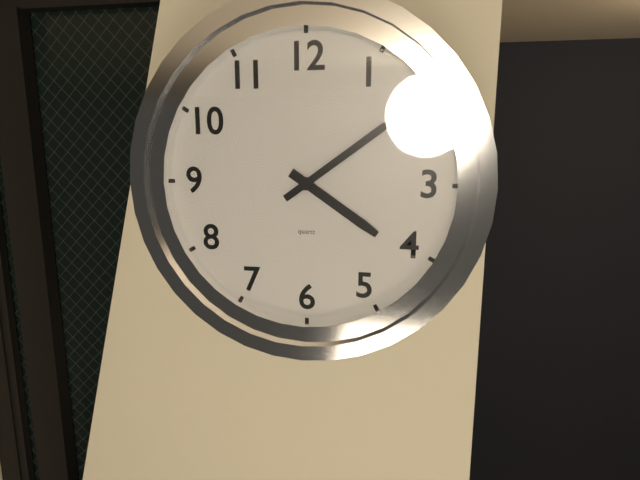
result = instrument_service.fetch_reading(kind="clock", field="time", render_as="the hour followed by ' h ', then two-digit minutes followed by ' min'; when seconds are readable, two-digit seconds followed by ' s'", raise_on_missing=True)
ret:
4 h 09 min
